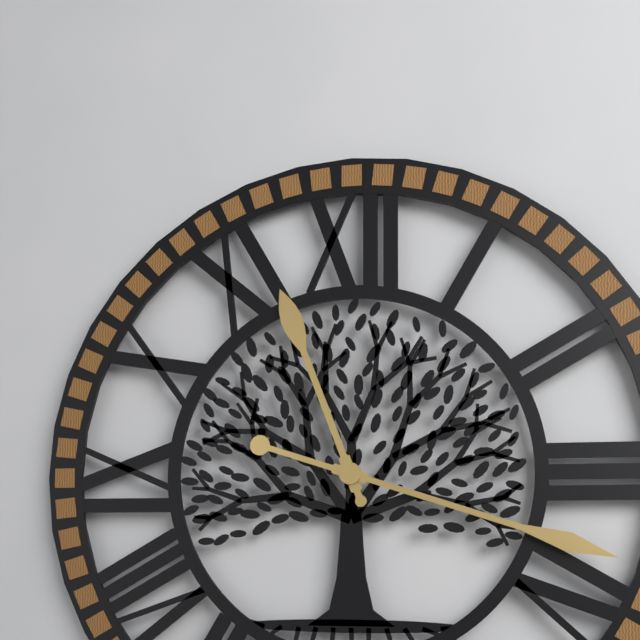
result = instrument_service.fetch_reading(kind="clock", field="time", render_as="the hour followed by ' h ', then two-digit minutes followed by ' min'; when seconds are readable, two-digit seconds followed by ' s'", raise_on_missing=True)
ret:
11 h 18 min
